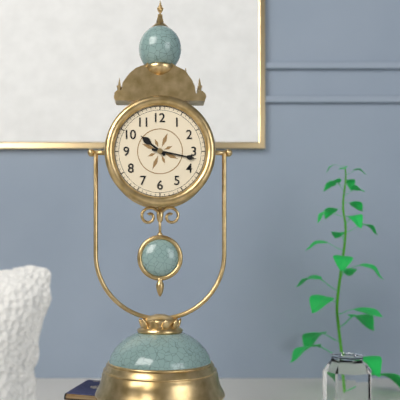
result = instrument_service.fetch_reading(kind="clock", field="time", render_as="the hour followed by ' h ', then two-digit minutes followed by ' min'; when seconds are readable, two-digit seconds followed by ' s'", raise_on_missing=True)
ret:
10 h 17 min
